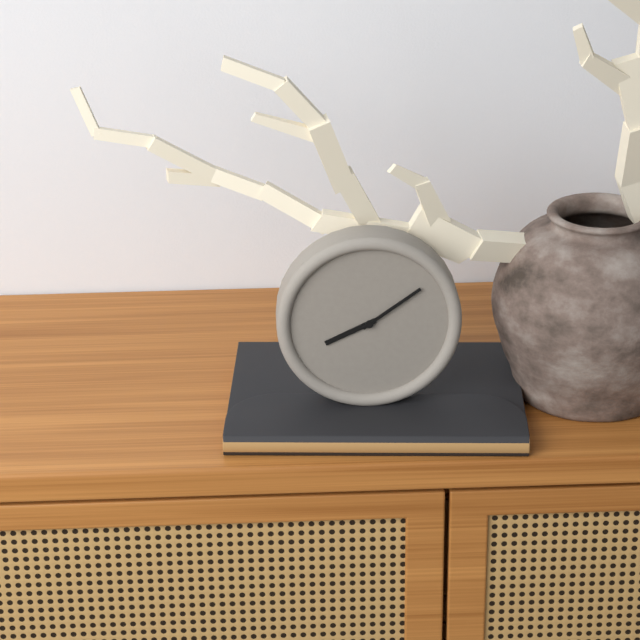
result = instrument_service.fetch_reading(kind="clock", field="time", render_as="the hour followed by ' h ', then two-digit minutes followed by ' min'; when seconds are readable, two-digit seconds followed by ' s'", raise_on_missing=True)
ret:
8 h 09 min
